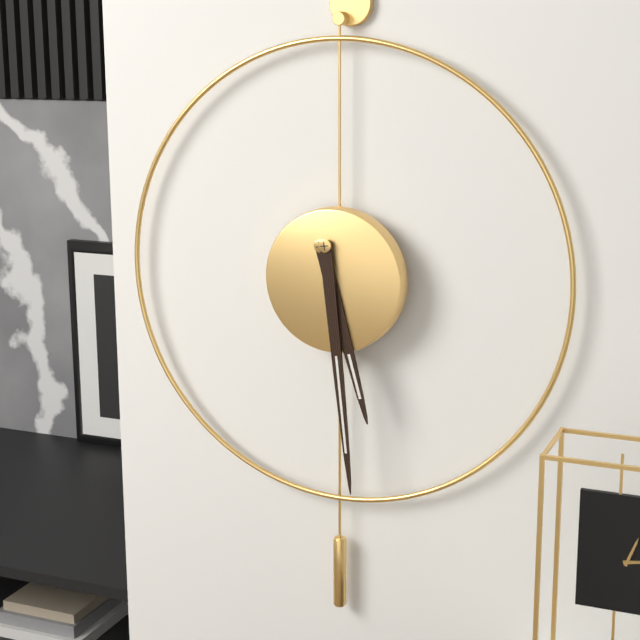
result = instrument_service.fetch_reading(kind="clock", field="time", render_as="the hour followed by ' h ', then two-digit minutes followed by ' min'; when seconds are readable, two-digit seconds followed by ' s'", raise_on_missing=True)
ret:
5 h 29 min
